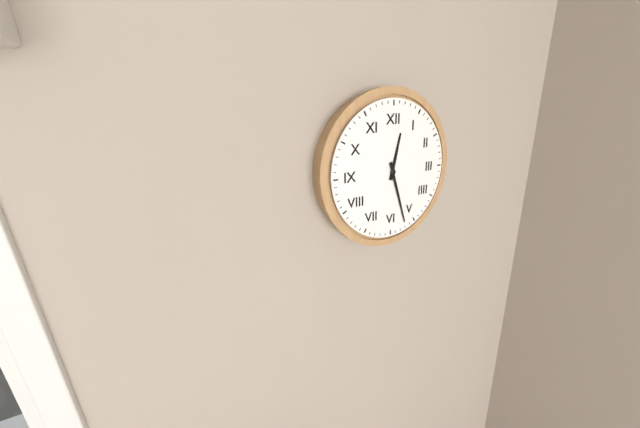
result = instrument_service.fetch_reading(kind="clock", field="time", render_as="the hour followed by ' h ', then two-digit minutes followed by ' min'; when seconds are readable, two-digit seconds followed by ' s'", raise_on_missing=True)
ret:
12 h 27 min
